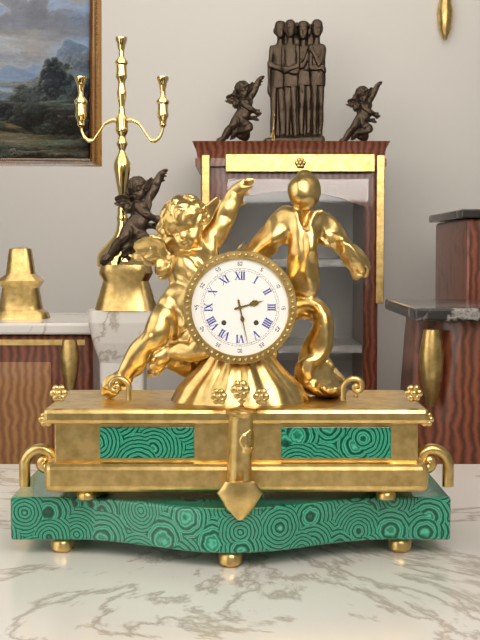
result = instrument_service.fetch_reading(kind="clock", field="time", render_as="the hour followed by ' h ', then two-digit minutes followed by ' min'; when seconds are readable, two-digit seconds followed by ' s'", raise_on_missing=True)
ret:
2 h 28 min
